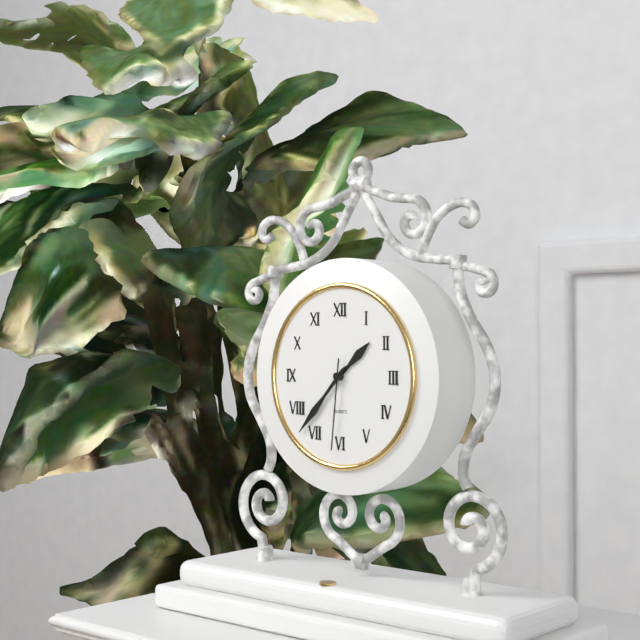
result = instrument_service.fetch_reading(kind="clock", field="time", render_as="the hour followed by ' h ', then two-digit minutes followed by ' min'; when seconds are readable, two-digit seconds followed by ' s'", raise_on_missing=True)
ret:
1 h 37 min 31 s
